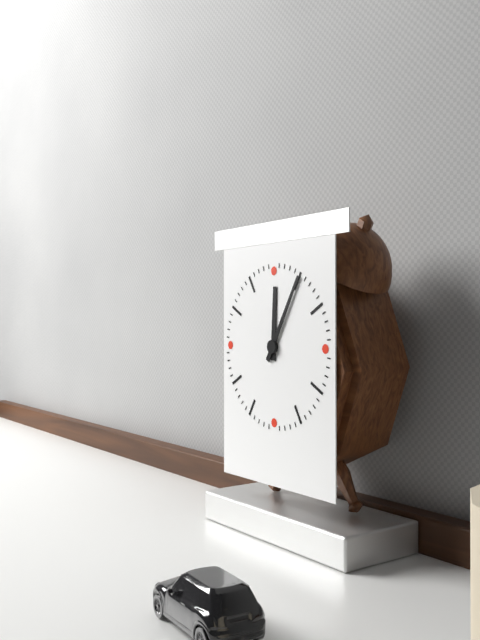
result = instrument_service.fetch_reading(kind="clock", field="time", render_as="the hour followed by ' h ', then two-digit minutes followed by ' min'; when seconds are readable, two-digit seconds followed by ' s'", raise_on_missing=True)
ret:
12 h 05 min
